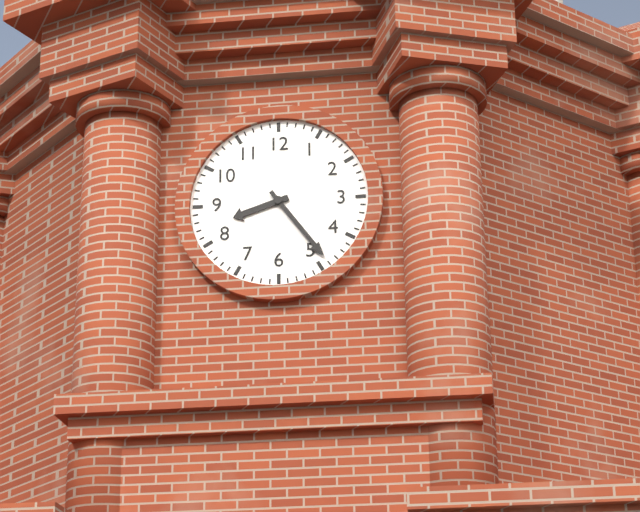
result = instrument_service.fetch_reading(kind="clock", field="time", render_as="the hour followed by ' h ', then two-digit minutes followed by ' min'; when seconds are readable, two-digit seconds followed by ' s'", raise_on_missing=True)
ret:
8 h 24 min
